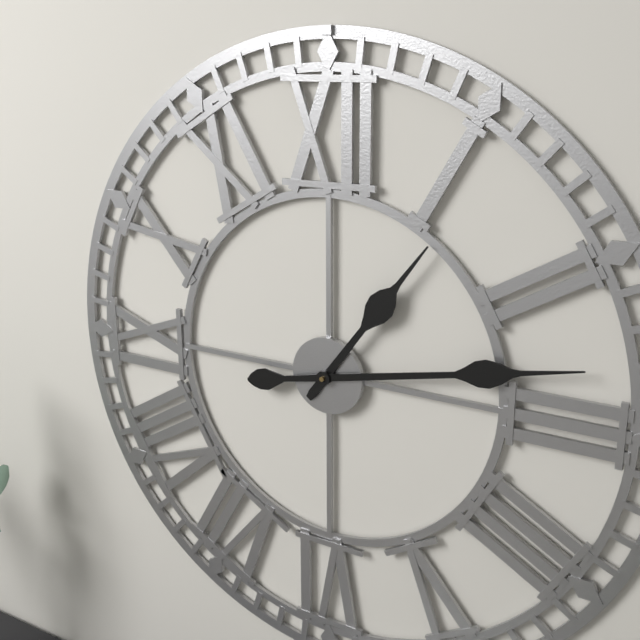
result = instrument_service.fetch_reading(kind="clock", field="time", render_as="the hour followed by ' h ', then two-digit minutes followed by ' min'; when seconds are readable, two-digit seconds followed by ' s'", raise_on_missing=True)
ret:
1 h 13 min
